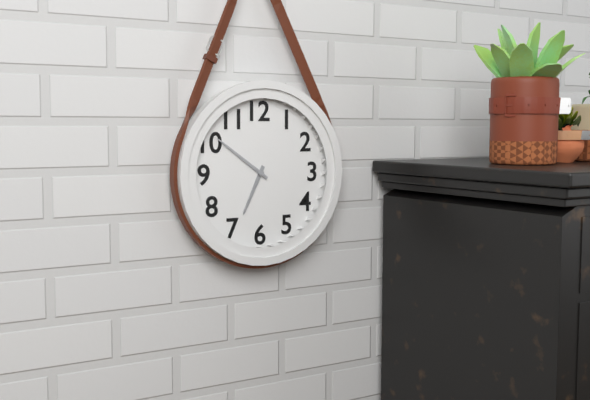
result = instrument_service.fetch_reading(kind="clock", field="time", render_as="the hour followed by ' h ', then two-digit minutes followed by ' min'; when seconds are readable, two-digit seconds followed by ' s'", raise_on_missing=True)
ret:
6 h 51 min
